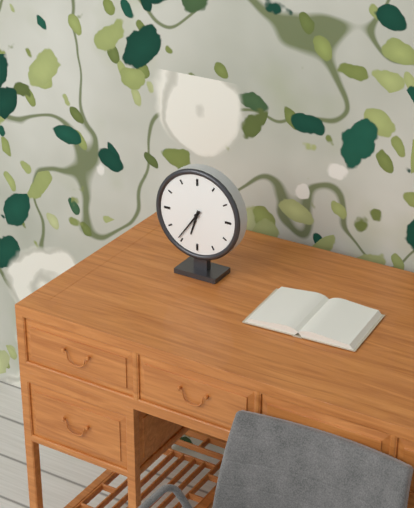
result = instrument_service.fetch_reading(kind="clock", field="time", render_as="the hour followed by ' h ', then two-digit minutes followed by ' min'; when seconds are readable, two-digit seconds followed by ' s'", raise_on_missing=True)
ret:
6 h 36 min
